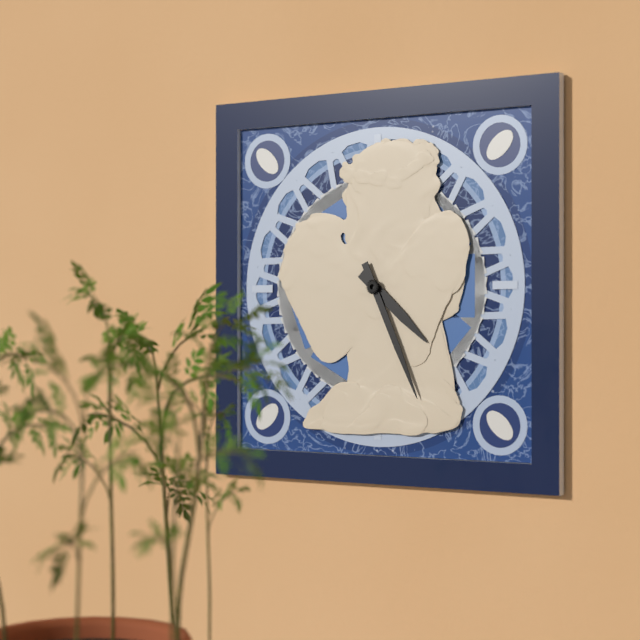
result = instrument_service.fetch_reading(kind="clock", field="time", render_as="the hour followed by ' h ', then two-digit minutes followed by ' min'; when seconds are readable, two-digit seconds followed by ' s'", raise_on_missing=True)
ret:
4 h 26 min
